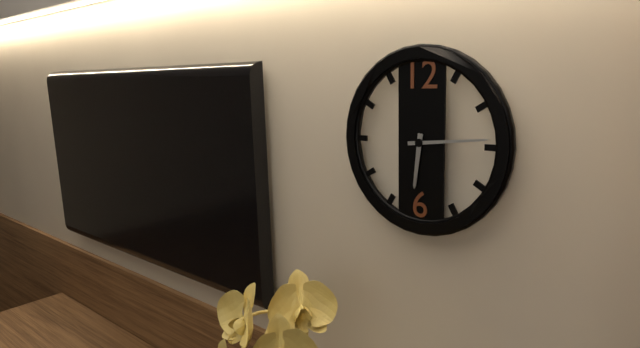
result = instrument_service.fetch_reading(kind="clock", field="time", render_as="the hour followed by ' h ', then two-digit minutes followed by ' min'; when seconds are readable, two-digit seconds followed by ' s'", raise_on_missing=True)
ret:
6 h 14 min
